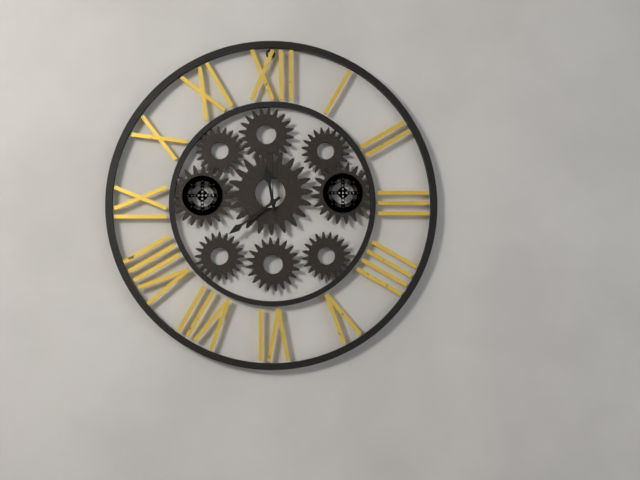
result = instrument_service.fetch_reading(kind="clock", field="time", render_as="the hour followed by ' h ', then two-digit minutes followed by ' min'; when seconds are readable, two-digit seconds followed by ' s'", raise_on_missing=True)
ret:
11 h 39 min 00 s
